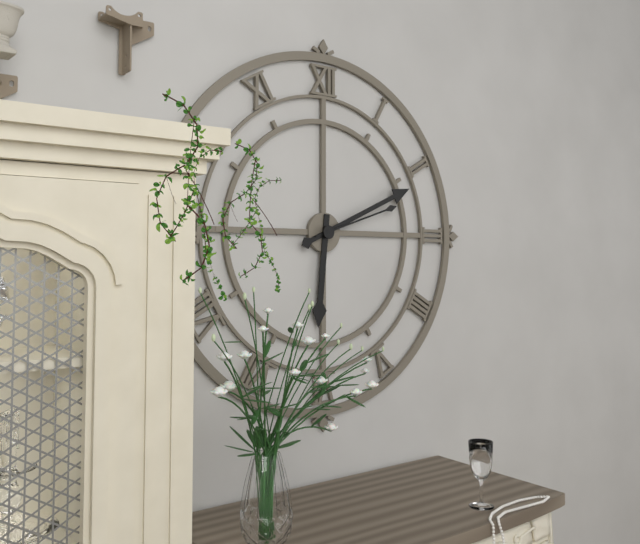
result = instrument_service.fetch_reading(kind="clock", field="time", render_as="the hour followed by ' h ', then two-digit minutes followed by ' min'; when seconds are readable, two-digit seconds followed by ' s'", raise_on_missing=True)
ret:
6 h 11 min 12 s
